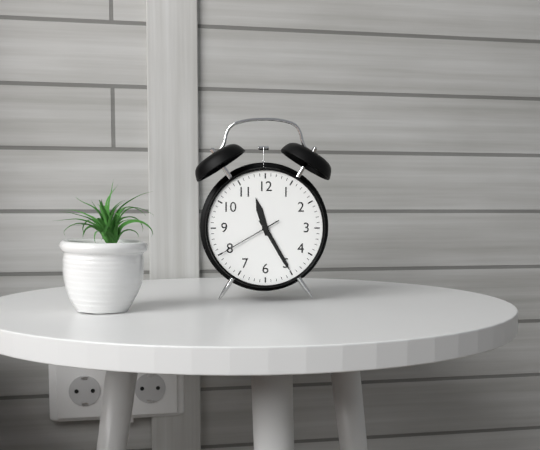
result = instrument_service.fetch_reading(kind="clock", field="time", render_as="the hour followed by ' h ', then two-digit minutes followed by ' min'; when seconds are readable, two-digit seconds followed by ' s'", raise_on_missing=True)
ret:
11 h 25 min 40 s
